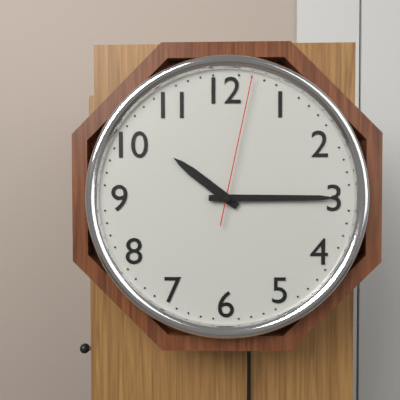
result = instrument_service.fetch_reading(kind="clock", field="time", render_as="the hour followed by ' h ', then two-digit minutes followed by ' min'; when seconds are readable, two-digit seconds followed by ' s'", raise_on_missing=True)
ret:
10 h 15 min 02 s
